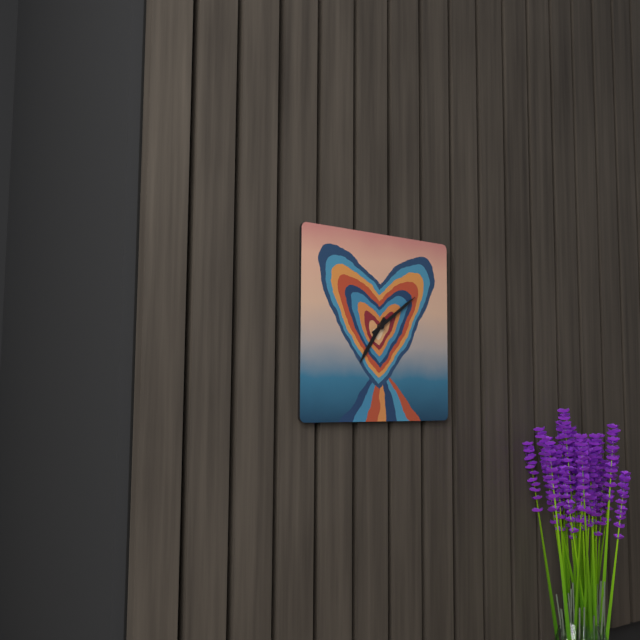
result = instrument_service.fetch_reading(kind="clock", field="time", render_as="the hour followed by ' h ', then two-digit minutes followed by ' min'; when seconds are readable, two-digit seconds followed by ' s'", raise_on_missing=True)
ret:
7 h 09 min
